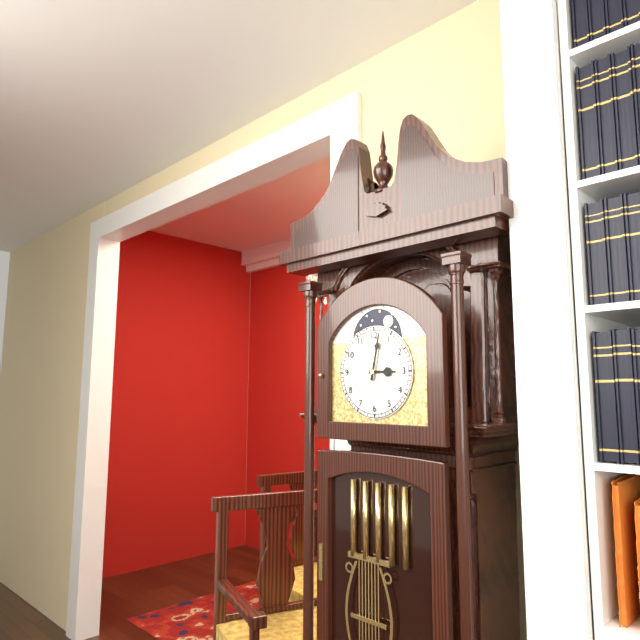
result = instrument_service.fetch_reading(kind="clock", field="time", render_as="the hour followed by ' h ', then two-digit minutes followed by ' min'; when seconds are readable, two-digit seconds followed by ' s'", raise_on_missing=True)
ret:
3 h 02 min
